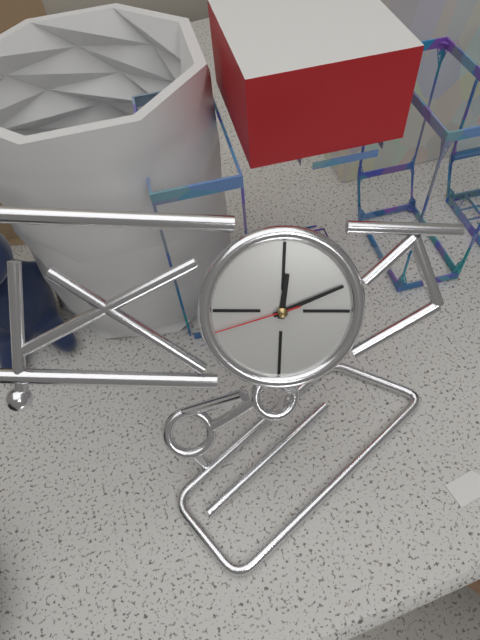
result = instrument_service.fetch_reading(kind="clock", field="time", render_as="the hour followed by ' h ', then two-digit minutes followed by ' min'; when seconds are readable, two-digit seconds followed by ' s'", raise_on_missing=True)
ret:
12 h 11 min 42 s
